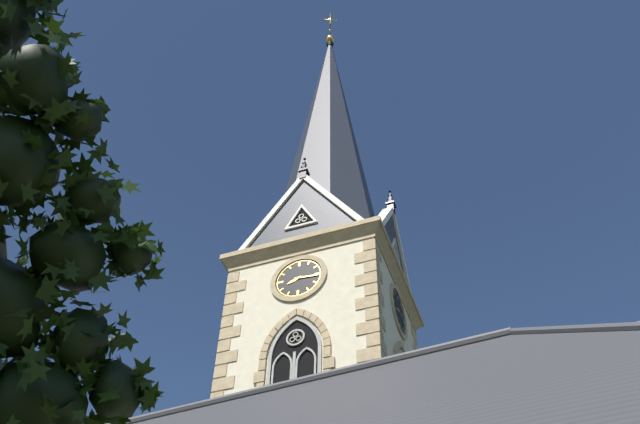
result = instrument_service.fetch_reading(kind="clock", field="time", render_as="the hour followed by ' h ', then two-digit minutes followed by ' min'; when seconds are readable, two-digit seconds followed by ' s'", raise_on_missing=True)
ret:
8 h 16 min
